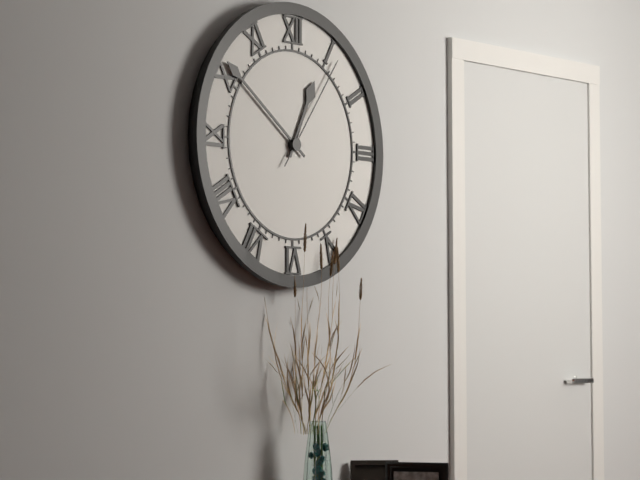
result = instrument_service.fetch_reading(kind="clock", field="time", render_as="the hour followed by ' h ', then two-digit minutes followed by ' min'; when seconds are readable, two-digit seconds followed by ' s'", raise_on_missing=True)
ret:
12 h 51 min 06 s
